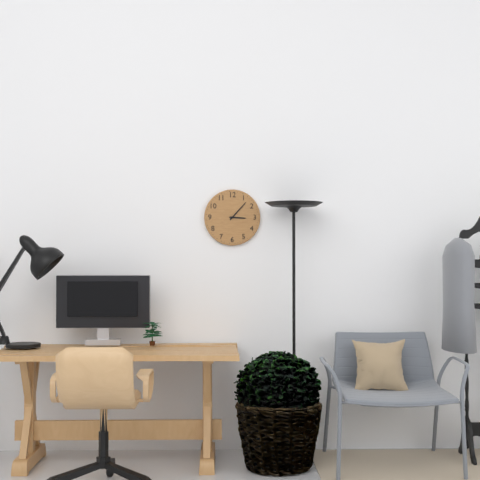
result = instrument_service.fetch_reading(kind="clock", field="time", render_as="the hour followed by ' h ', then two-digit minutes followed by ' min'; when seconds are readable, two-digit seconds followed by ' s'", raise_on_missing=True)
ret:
3 h 07 min
